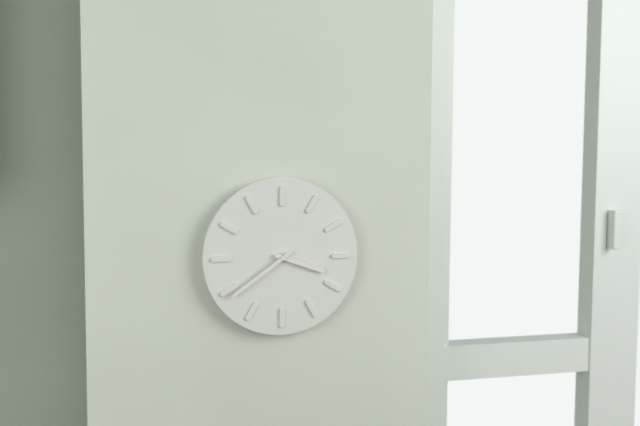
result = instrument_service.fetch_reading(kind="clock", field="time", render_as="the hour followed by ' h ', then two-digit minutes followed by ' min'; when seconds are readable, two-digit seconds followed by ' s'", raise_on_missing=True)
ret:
3 h 39 min
